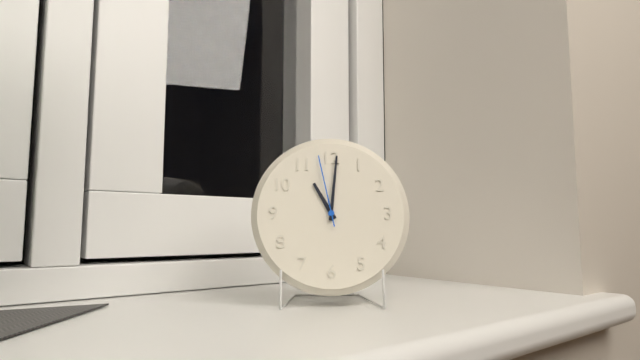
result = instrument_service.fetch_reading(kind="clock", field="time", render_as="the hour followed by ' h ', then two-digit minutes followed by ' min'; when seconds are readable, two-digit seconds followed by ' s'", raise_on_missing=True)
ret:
11 h 01 min 58 s
